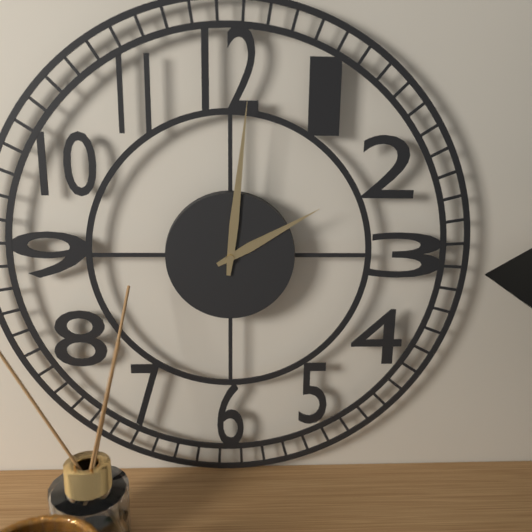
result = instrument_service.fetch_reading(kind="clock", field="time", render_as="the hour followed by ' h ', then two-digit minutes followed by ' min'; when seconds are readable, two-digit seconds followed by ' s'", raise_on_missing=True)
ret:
2 h 01 min
